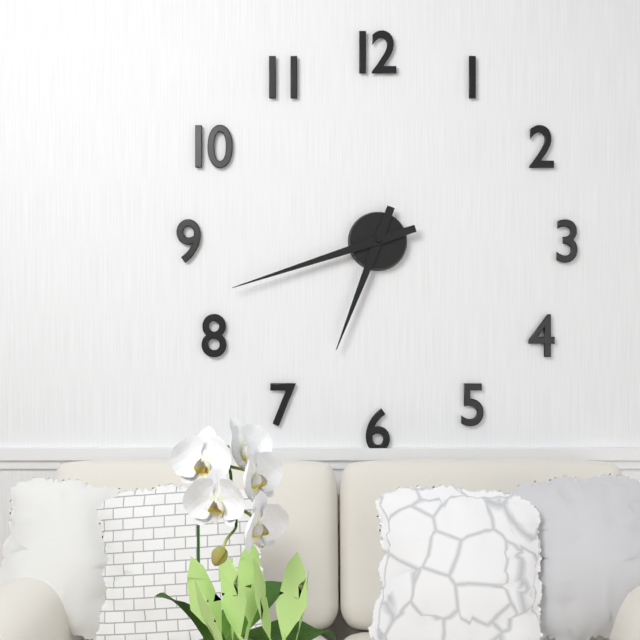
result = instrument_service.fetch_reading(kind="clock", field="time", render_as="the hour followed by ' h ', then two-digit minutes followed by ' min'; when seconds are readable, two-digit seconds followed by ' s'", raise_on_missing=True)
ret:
6 h 42 min
